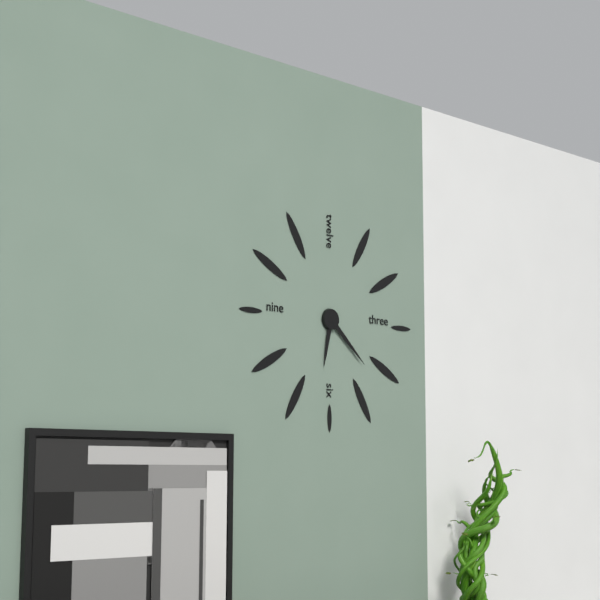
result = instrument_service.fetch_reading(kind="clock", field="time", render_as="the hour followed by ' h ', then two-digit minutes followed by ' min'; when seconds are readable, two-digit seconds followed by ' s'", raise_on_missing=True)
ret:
6 h 22 min
